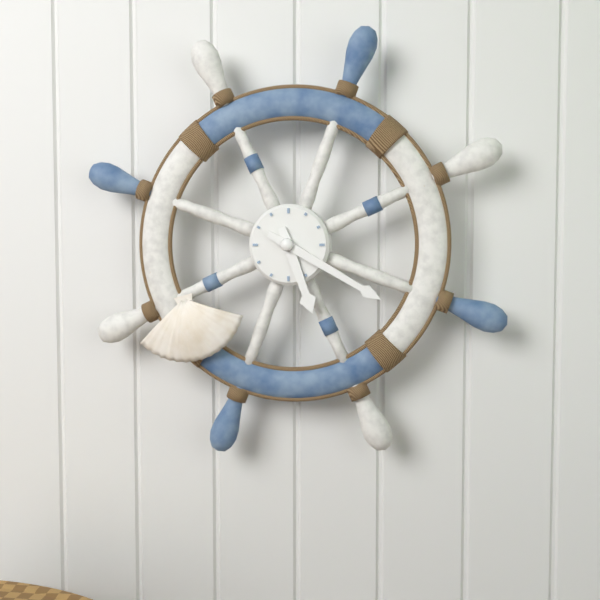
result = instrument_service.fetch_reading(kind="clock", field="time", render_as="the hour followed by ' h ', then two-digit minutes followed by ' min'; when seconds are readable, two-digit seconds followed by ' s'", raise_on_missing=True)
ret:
5 h 20 min
